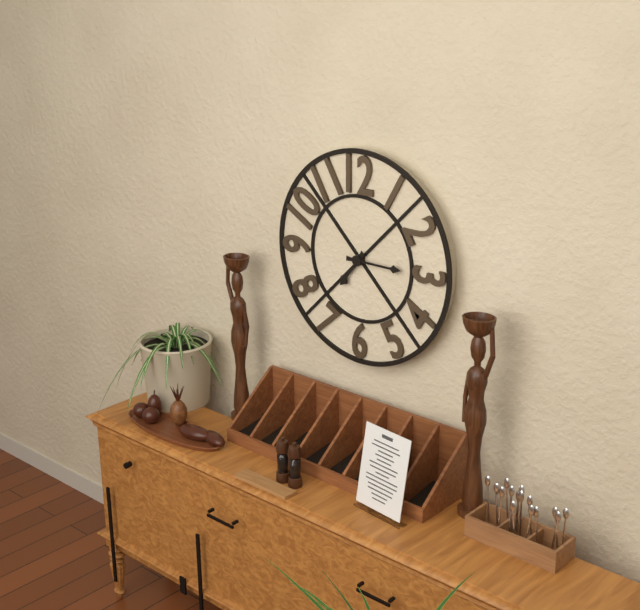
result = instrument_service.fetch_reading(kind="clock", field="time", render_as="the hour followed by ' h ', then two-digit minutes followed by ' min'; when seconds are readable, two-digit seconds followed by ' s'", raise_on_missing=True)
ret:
7 h 15 min
